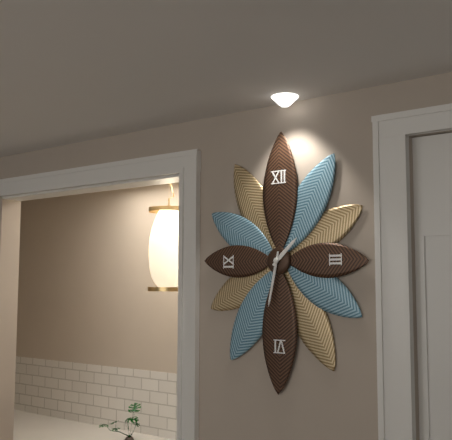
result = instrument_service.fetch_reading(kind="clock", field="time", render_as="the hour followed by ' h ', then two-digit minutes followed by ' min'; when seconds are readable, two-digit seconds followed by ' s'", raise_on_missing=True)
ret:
1 h 32 min
